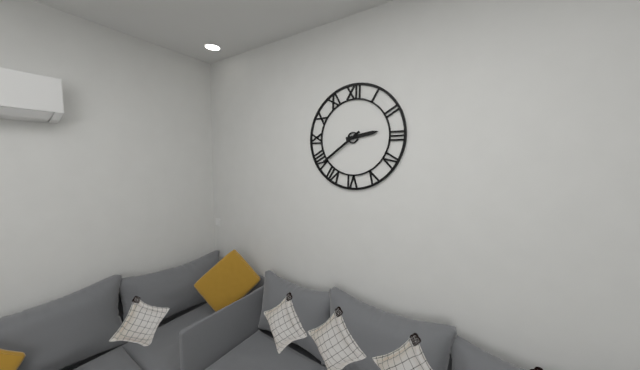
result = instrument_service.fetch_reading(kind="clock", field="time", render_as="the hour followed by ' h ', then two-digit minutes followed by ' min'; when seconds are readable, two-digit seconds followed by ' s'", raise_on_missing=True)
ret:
2 h 39 min
